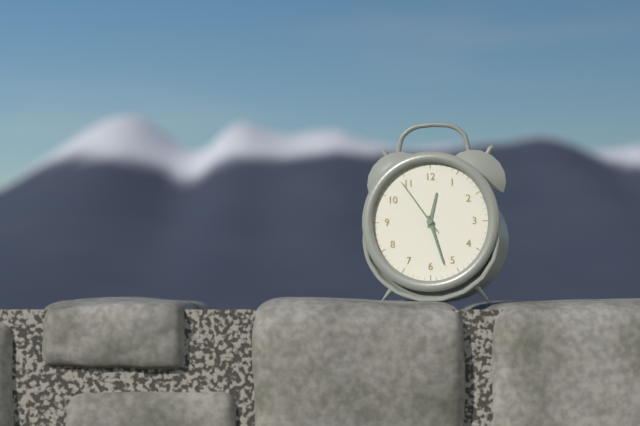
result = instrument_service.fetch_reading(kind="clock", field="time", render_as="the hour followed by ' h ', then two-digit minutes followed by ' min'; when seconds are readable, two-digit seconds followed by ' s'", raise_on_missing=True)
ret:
12 h 27 min 54 s
